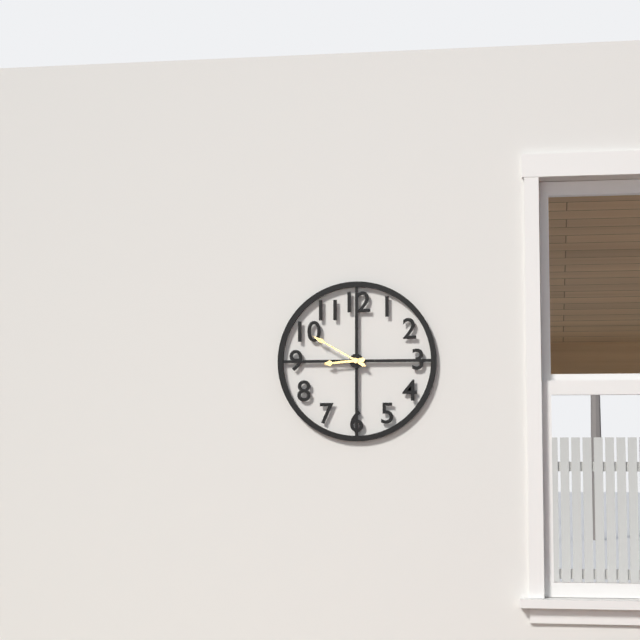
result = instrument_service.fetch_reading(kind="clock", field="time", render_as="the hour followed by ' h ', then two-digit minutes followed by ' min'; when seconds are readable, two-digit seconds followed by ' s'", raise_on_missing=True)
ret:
8 h 50 min
